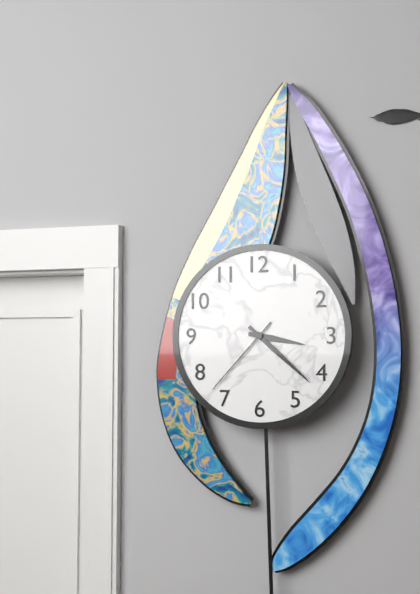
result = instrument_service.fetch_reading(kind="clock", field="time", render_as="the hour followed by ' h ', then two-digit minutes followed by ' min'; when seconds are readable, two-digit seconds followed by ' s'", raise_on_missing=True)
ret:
3 h 22 min 37 s
